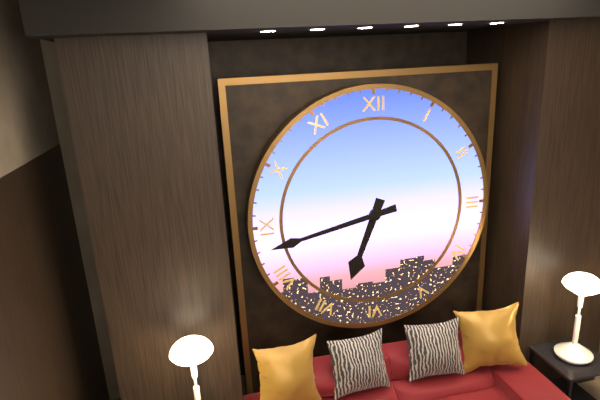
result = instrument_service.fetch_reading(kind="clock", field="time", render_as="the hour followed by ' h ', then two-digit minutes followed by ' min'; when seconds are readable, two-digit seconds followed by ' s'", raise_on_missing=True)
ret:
6 h 43 min
